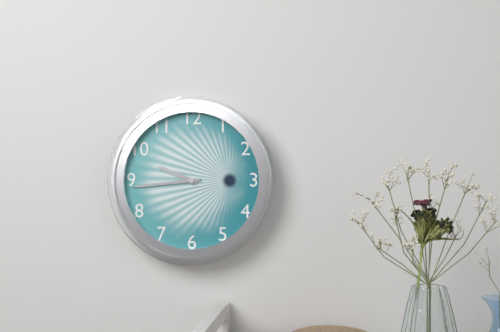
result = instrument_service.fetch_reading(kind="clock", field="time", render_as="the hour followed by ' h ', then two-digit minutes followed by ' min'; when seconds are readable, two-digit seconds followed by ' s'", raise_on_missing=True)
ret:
9 h 44 min
